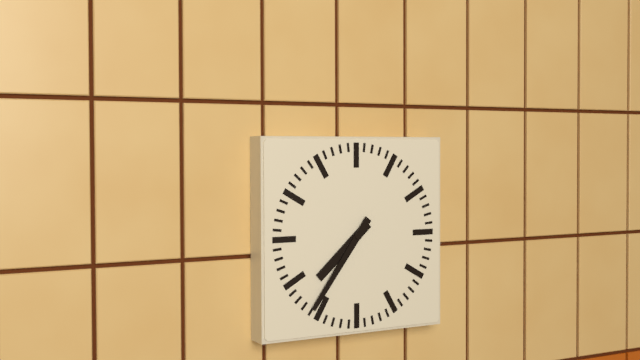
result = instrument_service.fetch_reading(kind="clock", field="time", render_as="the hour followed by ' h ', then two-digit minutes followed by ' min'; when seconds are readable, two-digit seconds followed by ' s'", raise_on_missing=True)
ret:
7 h 36 min
